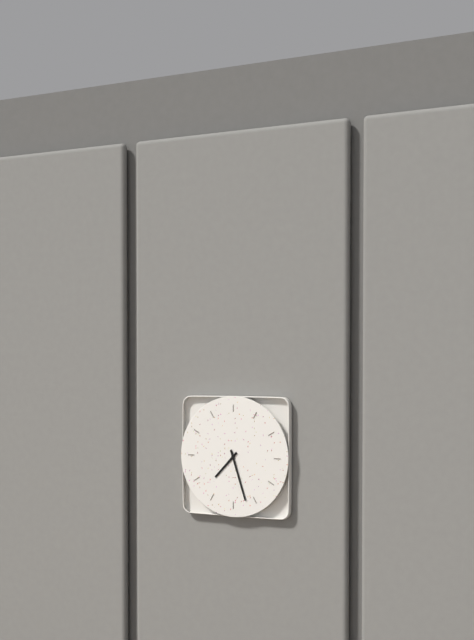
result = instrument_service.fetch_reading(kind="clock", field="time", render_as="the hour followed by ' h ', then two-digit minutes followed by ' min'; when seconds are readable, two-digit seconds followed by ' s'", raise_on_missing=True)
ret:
7 h 27 min
